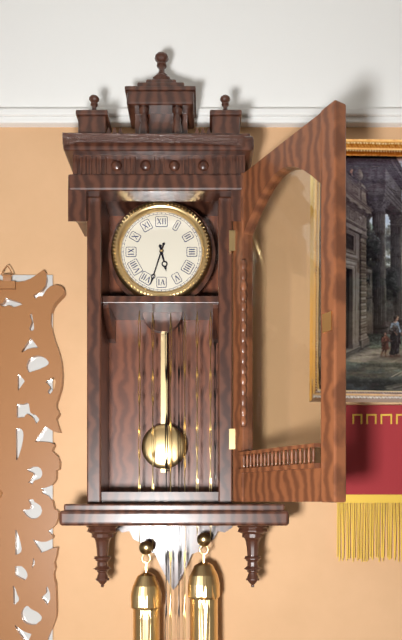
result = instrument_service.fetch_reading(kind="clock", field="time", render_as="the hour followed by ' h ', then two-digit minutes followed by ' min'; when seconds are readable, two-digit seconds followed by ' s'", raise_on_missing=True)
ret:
5 h 33 min
